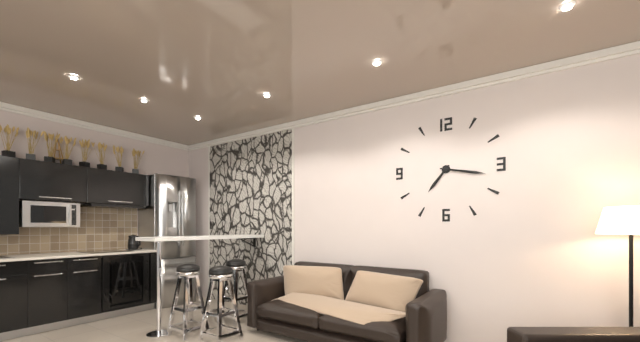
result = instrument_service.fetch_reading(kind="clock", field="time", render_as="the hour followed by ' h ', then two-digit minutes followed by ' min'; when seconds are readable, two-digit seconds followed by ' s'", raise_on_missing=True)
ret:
7 h 17 min
